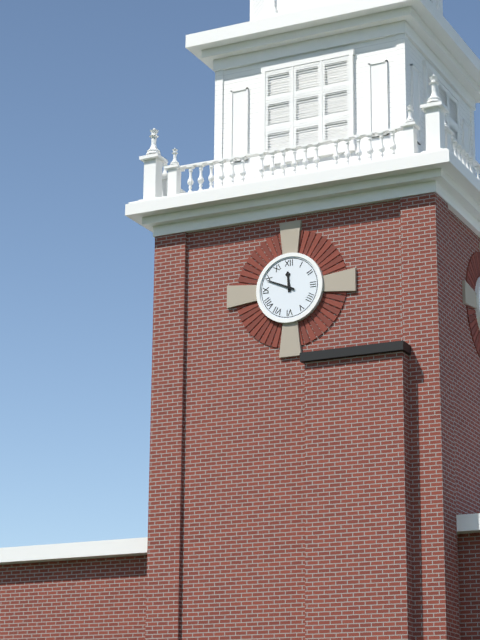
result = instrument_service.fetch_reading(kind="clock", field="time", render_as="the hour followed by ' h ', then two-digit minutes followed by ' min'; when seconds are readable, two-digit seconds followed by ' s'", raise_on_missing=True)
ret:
11 h 49 min
